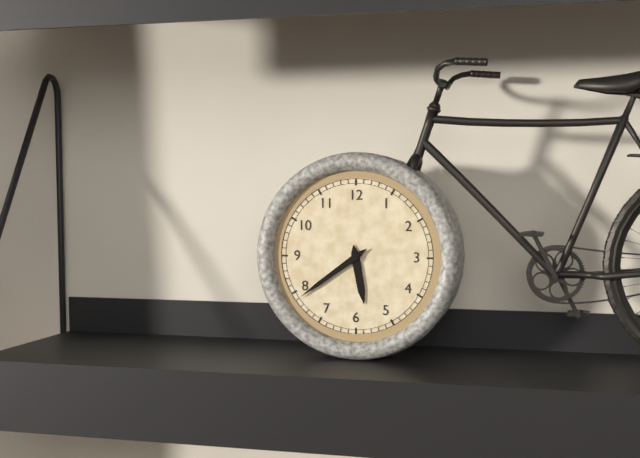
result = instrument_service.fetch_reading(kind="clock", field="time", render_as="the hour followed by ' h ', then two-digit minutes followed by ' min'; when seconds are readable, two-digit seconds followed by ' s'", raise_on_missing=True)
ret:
5 h 39 min
